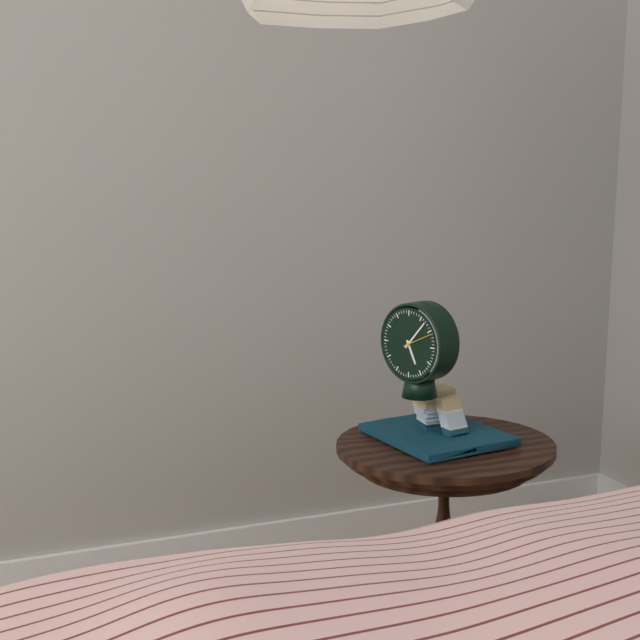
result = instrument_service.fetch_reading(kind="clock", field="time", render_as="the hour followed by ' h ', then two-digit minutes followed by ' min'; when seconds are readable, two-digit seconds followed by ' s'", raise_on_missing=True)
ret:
5 h 07 min
